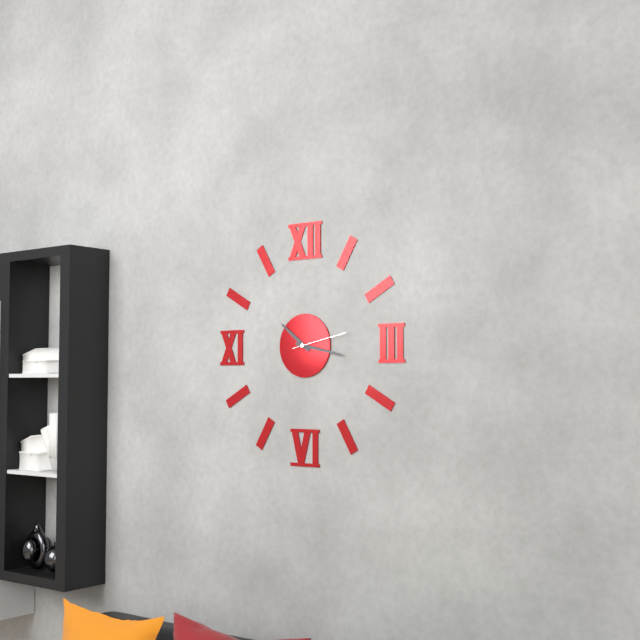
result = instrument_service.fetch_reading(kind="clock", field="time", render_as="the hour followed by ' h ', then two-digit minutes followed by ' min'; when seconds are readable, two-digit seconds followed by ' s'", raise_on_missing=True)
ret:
10 h 17 min 13 s
